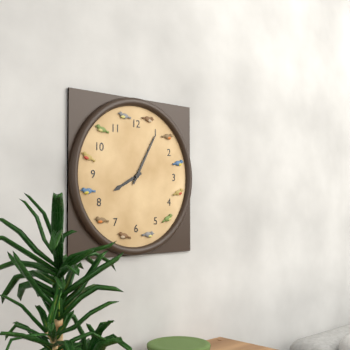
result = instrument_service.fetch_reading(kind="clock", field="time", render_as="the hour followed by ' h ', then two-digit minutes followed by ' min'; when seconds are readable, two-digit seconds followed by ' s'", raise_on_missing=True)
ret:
8 h 05 min
